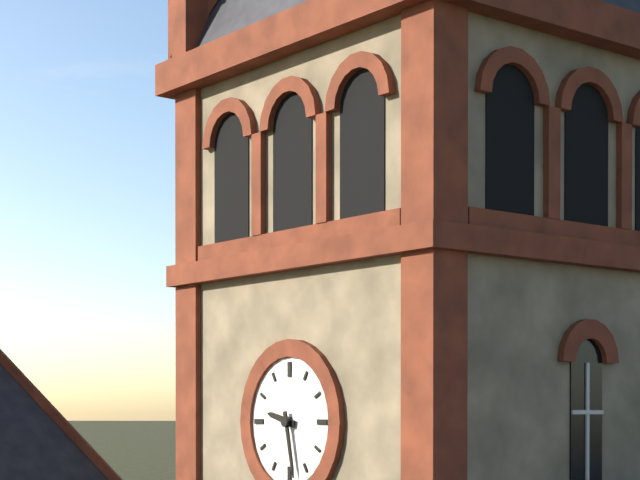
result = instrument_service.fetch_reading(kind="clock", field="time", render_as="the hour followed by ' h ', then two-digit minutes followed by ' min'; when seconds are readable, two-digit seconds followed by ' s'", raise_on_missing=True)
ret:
9 h 28 min
